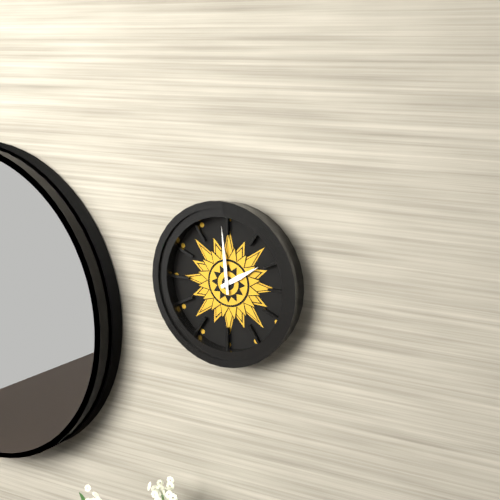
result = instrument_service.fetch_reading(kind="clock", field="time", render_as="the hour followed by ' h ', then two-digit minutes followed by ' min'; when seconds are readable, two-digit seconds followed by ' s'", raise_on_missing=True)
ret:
1 h 59 min
